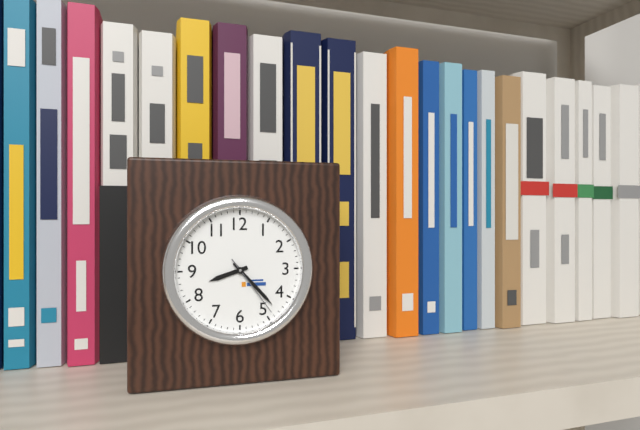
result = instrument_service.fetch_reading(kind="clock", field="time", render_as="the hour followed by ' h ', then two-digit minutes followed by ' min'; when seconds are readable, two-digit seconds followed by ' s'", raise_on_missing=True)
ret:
8 h 23 min 24 s
